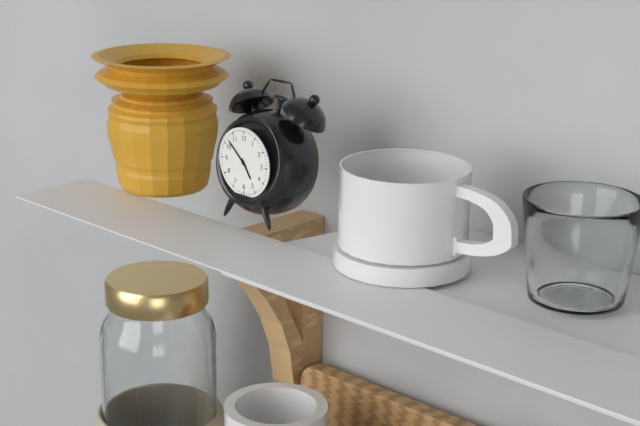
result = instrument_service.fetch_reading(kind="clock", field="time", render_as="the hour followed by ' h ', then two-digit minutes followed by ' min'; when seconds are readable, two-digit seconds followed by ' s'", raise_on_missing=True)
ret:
4 h 52 min
